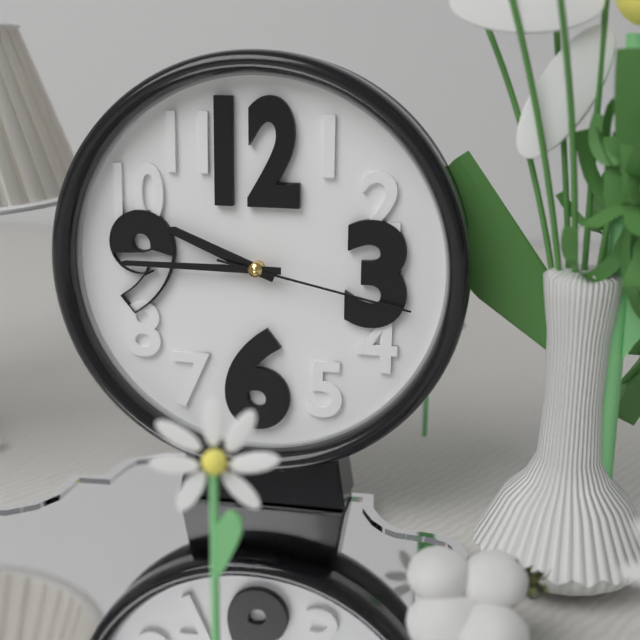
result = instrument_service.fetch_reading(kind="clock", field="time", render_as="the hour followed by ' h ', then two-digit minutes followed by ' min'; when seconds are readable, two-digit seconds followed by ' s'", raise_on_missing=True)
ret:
9 h 45 min 17 s
